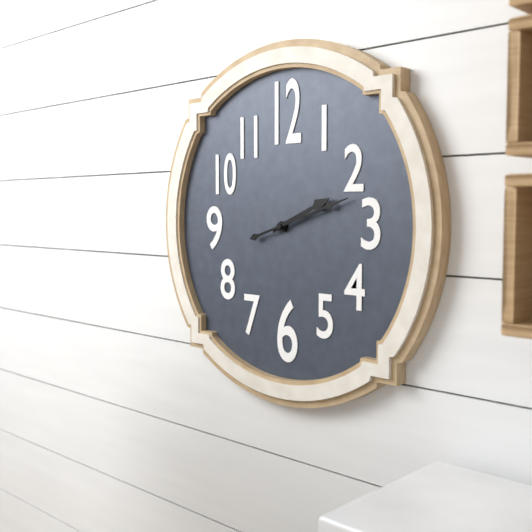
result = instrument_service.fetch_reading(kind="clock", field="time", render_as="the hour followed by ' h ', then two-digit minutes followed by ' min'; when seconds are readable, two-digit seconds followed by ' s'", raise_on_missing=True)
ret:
2 h 12 min
